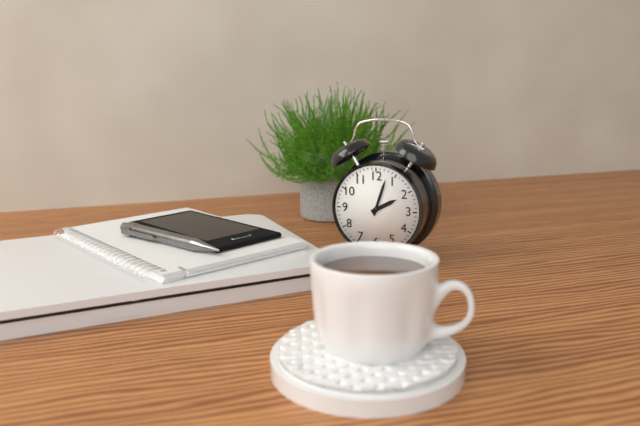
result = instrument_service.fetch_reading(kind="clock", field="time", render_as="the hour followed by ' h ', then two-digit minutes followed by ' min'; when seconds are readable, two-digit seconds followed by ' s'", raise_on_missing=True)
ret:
2 h 03 min
